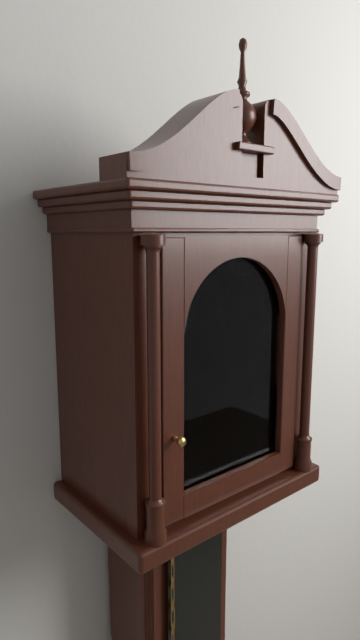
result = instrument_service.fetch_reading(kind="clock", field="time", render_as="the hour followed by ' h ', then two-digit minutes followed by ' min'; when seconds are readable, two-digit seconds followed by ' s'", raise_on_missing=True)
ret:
7 h 30 min
